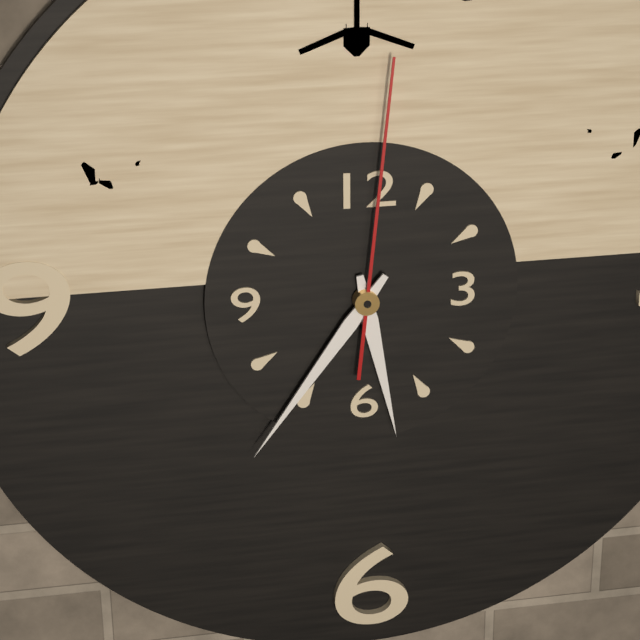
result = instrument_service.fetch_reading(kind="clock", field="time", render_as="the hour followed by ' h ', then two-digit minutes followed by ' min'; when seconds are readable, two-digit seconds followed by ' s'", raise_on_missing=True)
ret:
5 h 36 min 01 s
